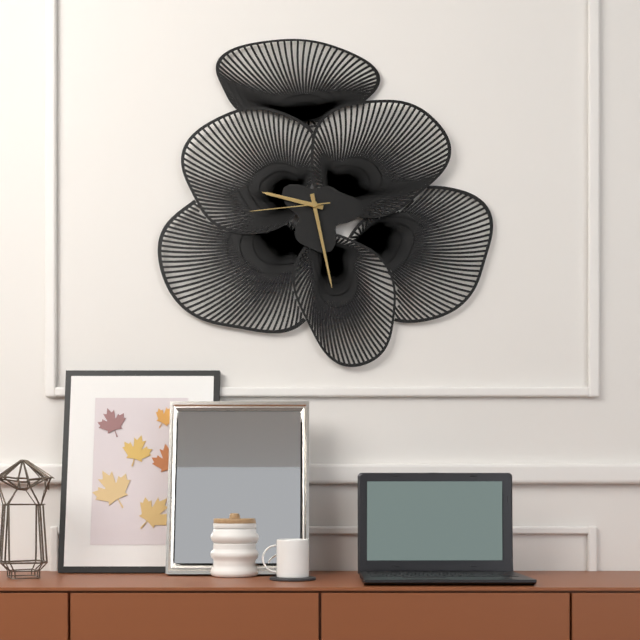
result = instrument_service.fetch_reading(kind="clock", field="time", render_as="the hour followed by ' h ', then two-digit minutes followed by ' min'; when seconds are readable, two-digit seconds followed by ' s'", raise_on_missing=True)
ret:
9 h 28 min 44 s
